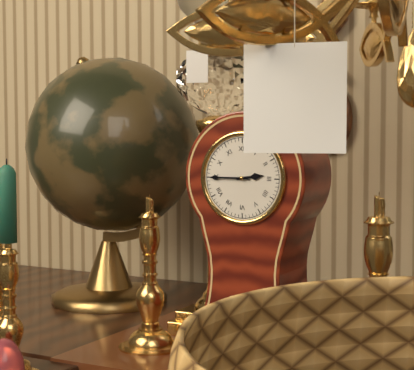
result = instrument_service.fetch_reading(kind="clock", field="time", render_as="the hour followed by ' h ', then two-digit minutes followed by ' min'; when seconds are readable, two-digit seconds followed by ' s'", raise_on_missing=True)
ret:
2 h 45 min
